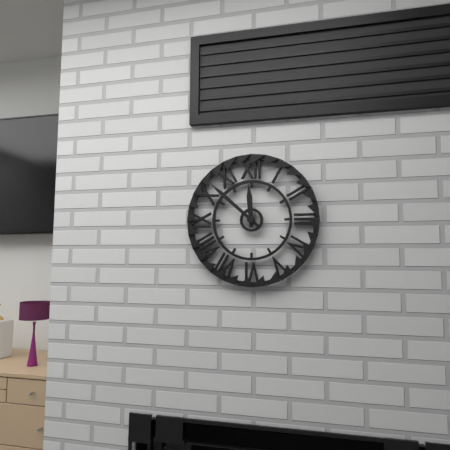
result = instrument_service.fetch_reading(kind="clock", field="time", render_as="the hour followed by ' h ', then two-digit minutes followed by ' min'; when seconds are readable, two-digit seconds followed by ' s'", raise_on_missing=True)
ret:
11 h 52 min
